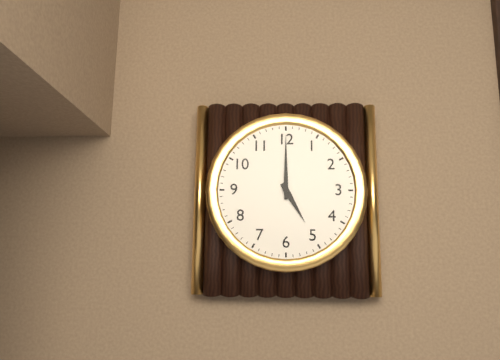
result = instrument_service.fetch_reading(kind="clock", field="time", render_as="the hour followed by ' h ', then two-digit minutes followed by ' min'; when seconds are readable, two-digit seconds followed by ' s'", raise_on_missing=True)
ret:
5 h 00 min
